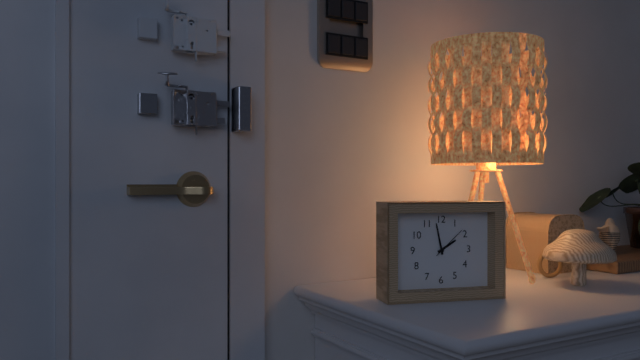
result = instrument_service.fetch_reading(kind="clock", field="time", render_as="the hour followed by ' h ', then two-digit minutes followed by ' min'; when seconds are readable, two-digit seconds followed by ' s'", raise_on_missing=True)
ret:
1 h 58 min
